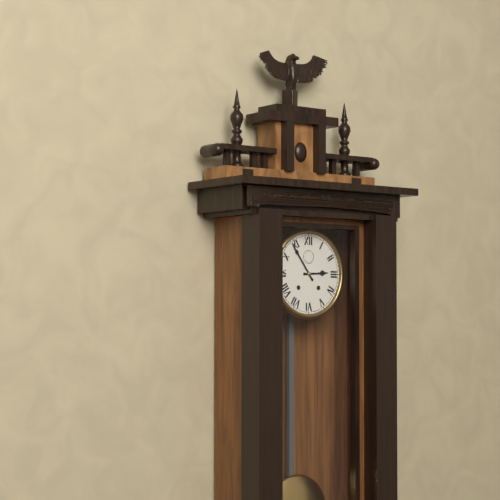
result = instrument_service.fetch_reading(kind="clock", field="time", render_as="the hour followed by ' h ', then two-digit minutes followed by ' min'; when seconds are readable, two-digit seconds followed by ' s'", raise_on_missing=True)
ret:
2 h 54 min
